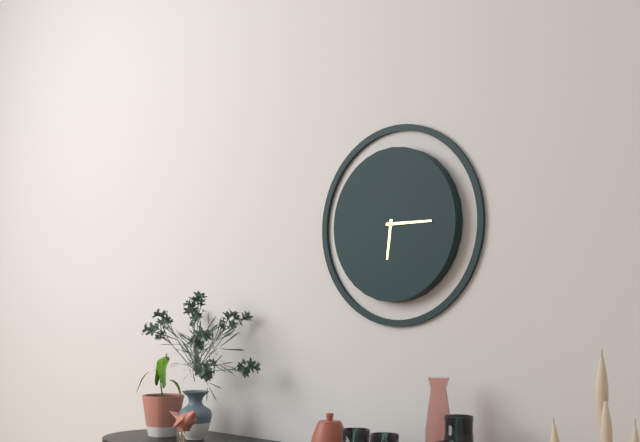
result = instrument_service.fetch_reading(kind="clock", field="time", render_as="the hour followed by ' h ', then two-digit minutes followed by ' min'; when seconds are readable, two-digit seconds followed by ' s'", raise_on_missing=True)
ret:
6 h 15 min
